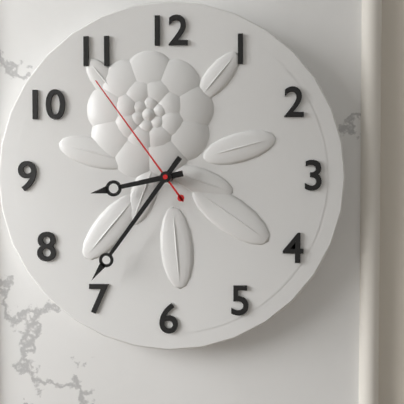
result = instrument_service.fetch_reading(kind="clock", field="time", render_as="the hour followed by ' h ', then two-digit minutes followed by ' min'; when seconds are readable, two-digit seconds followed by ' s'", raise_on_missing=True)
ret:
8 h 36 min 54 s
